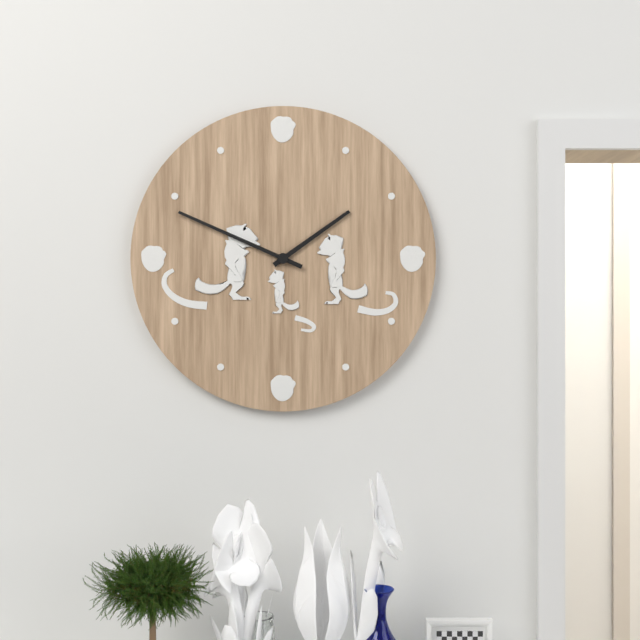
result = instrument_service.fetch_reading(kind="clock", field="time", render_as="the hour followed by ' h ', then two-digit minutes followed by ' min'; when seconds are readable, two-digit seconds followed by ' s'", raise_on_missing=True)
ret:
1 h 49 min
